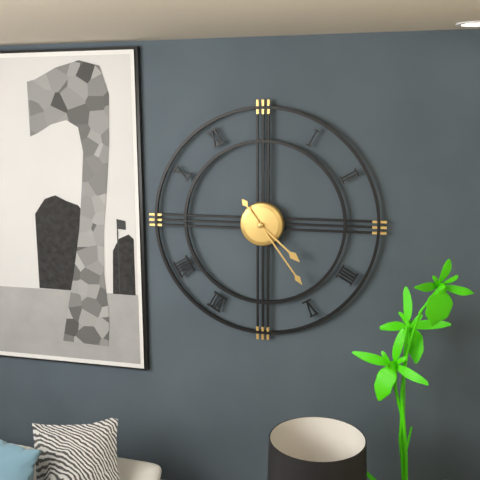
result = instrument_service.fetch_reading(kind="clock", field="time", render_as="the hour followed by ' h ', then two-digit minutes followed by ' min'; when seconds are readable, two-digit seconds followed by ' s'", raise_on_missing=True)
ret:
4 h 24 min
